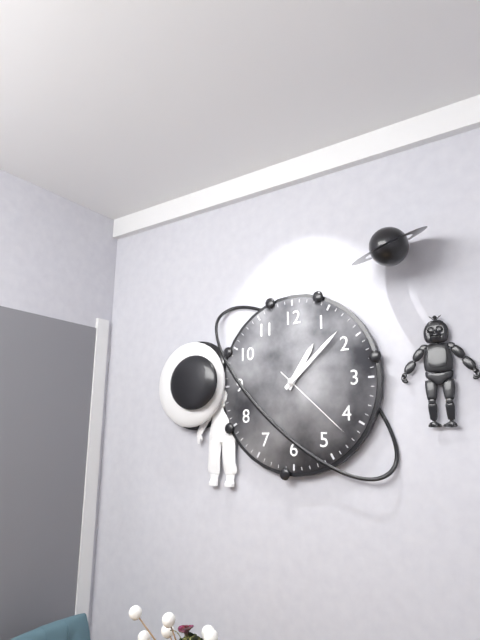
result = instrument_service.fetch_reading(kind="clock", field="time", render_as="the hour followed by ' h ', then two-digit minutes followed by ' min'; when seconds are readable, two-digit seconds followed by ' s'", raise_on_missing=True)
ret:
1 h 08 min 22 s
